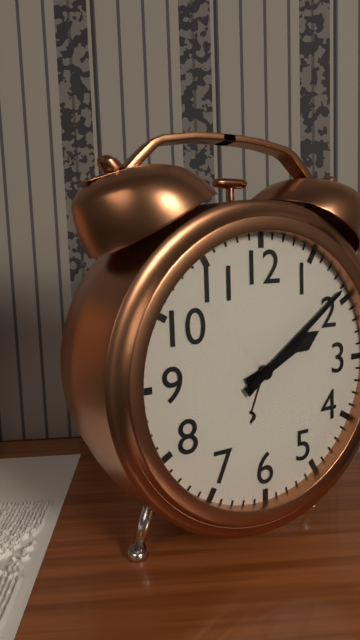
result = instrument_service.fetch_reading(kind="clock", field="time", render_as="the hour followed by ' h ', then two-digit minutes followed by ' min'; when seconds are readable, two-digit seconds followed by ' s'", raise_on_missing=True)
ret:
2 h 09 min
